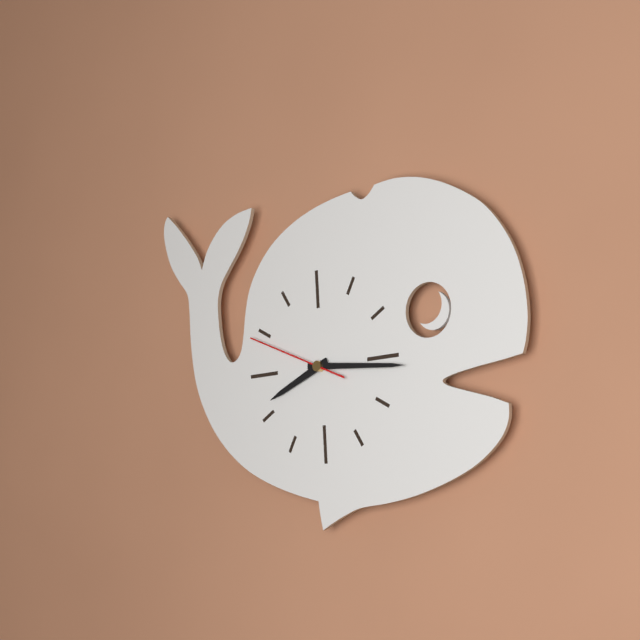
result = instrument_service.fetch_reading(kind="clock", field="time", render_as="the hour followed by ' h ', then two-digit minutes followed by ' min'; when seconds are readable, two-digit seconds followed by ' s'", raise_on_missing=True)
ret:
8 h 16 min 49 s
